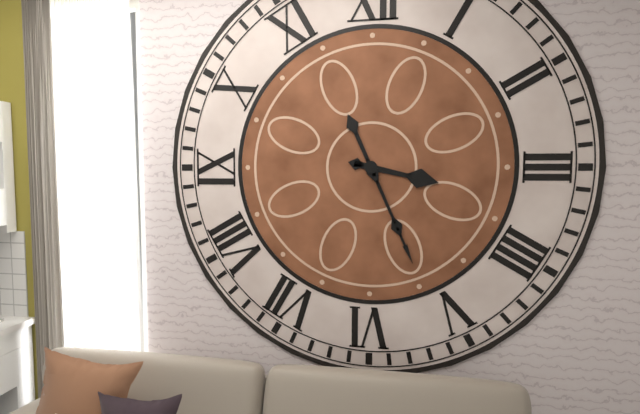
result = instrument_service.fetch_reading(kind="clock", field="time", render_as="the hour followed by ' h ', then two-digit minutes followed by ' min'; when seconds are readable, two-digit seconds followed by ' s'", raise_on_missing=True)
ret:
3 h 26 min
